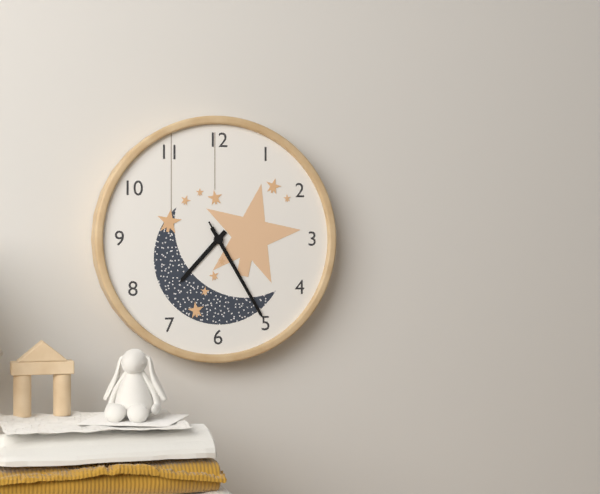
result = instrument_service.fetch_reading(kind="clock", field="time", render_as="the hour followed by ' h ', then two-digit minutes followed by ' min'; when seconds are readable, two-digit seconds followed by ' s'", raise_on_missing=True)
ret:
7 h 25 min 25 s
